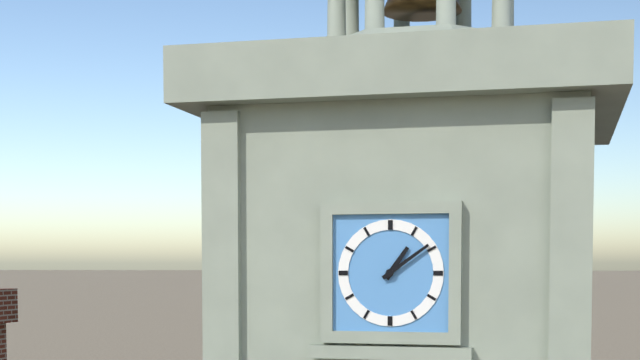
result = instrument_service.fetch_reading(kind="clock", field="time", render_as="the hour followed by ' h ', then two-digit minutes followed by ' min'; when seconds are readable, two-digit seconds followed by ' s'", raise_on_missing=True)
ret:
1 h 09 min
